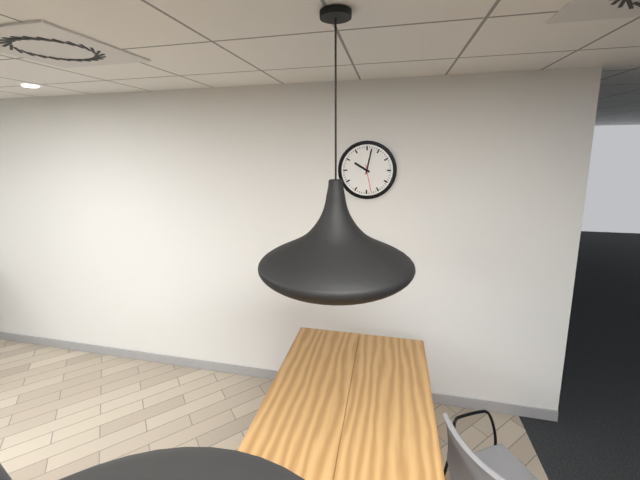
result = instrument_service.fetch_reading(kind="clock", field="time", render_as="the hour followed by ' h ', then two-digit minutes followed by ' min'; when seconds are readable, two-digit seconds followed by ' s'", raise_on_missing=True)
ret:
10 h 02 min
